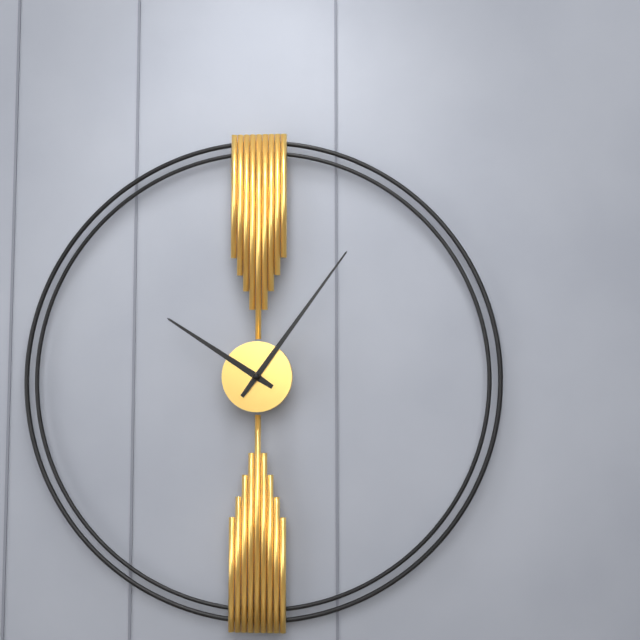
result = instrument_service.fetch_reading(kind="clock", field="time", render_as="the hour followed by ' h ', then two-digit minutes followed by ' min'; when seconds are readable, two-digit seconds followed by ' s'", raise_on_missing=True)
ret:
10 h 06 min
